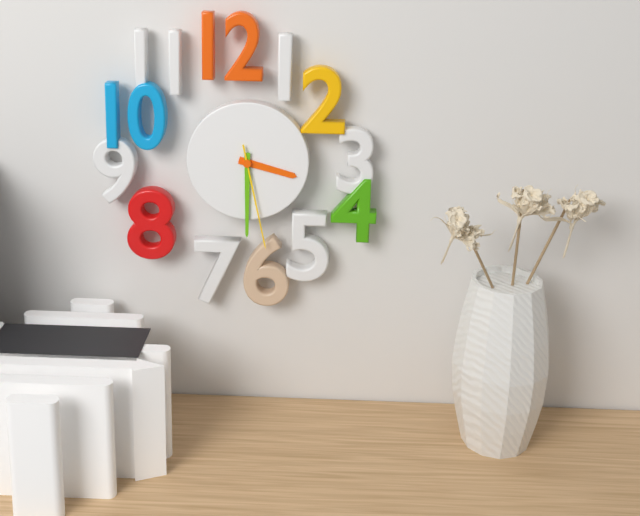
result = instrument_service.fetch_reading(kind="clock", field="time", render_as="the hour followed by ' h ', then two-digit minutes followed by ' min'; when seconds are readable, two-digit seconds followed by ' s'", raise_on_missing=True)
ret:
3 h 30 min 28 s
